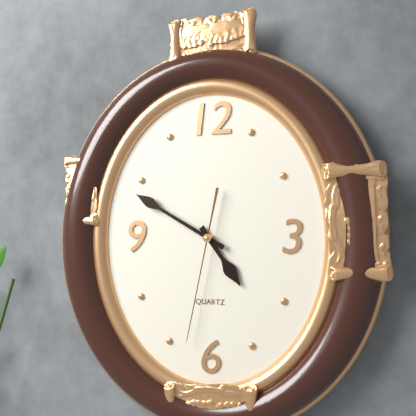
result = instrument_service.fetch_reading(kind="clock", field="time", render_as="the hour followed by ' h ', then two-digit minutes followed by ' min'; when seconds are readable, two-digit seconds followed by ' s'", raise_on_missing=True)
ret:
4 h 50 min 32 s
